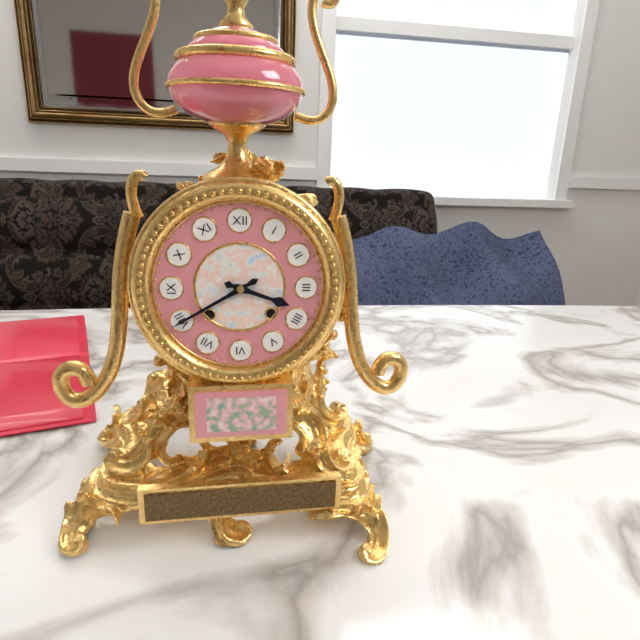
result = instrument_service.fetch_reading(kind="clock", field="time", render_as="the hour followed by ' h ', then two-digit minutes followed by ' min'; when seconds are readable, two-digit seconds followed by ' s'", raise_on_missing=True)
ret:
3 h 40 min
